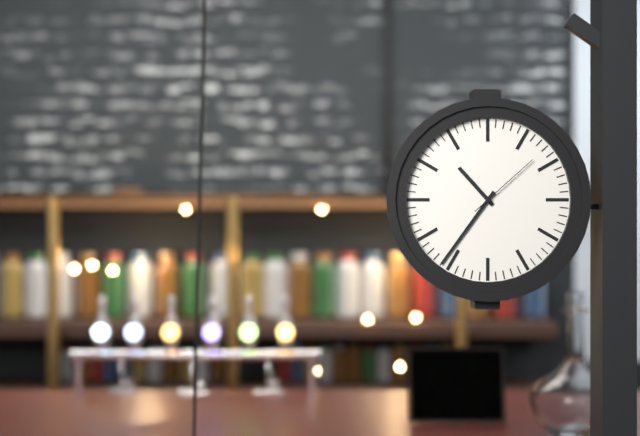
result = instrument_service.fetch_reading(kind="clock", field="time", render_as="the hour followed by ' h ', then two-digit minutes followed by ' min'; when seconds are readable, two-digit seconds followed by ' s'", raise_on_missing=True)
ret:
10 h 36 min 08 s
